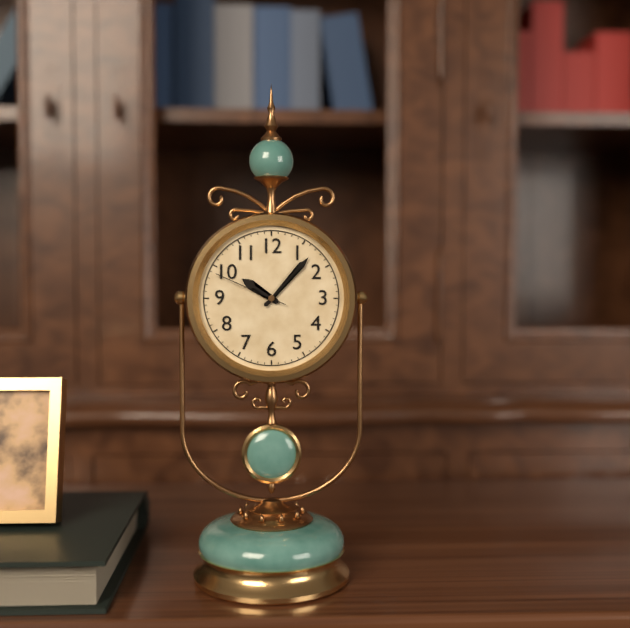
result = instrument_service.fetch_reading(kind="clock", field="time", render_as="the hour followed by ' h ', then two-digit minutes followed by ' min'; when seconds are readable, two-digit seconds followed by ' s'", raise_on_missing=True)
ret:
10 h 07 min 49 s
